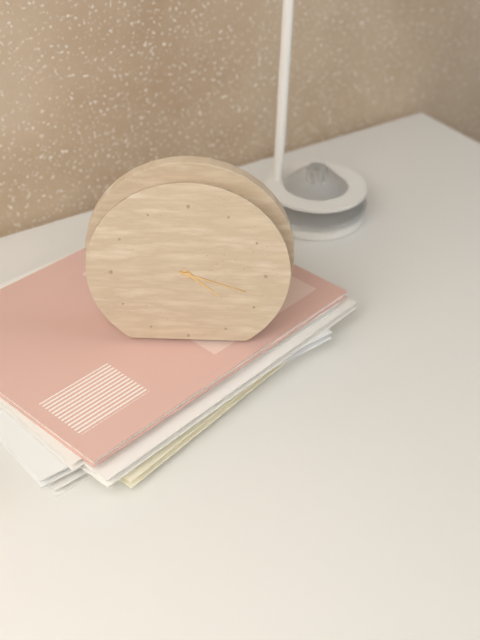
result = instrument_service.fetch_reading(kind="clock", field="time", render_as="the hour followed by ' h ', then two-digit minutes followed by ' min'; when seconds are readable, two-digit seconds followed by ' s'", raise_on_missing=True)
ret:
4 h 18 min
